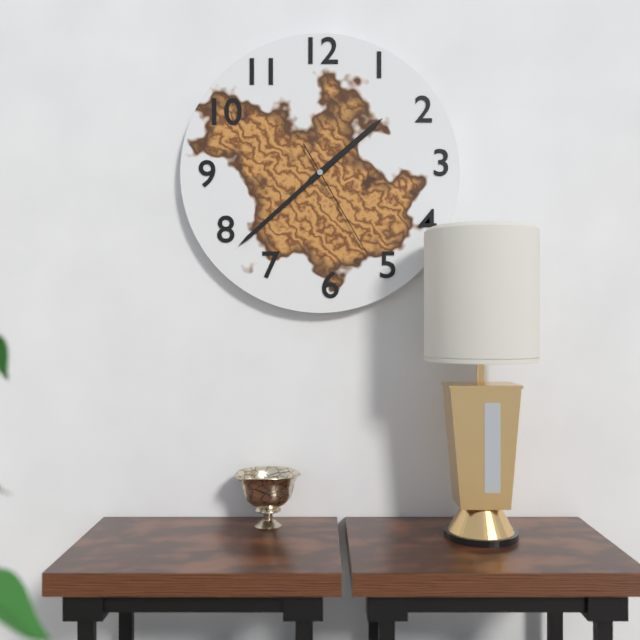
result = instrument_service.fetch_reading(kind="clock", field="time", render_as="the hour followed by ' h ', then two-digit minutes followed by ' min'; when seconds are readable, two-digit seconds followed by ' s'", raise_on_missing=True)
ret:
1 h 38 min 25 s
